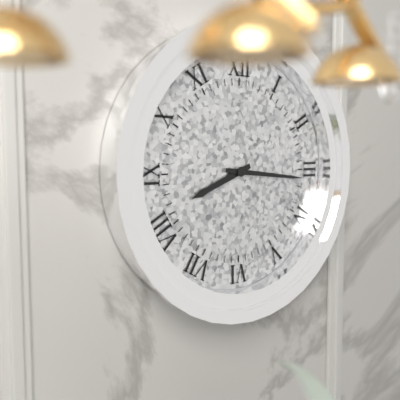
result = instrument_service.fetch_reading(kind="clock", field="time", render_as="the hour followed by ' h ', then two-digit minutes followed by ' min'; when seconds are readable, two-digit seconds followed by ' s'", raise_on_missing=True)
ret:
8 h 16 min
